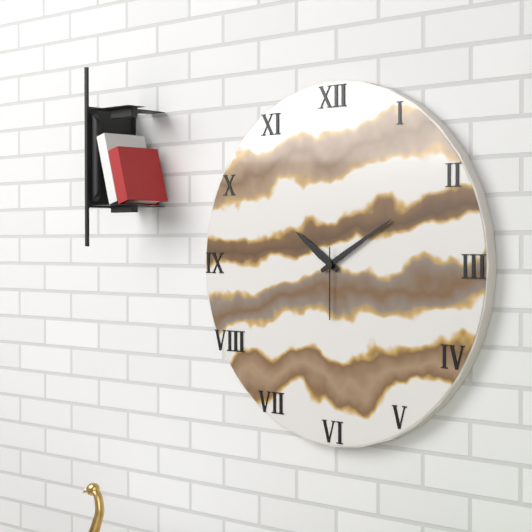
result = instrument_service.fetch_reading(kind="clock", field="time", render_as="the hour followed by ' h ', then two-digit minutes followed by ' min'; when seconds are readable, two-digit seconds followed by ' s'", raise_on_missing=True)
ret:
10 h 10 min 30 s
